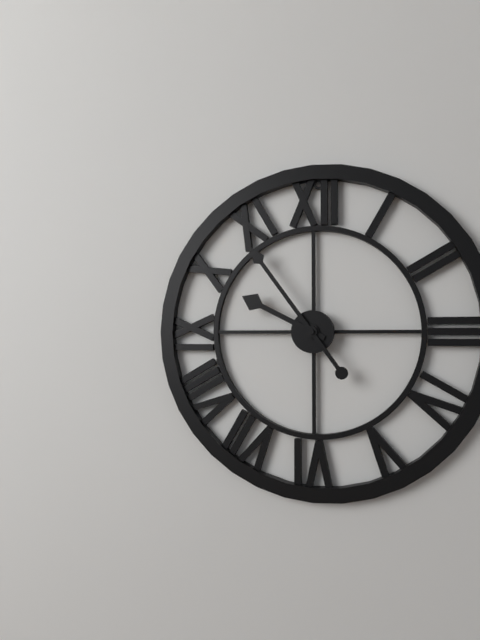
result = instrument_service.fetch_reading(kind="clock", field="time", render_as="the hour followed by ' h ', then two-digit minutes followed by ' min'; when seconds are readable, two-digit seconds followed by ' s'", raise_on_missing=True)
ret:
9 h 54 min
